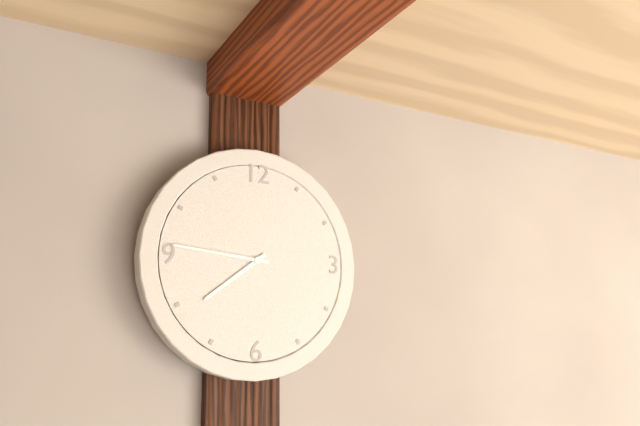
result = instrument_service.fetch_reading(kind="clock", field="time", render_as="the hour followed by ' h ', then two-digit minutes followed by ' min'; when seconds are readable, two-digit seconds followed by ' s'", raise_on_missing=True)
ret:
7 h 46 min
